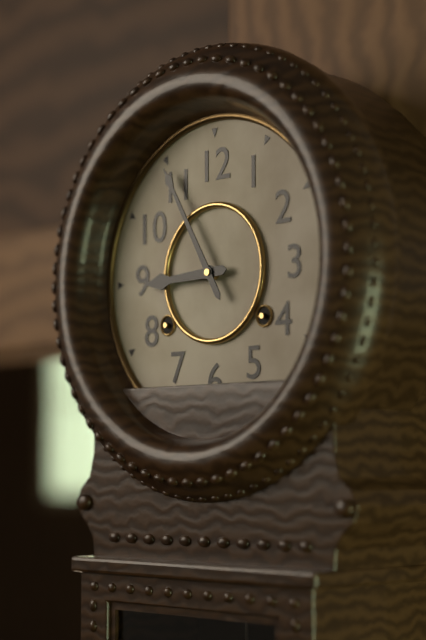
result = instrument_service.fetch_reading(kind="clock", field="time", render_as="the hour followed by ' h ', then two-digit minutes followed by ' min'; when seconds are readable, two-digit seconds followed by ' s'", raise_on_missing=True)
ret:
8 h 55 min
